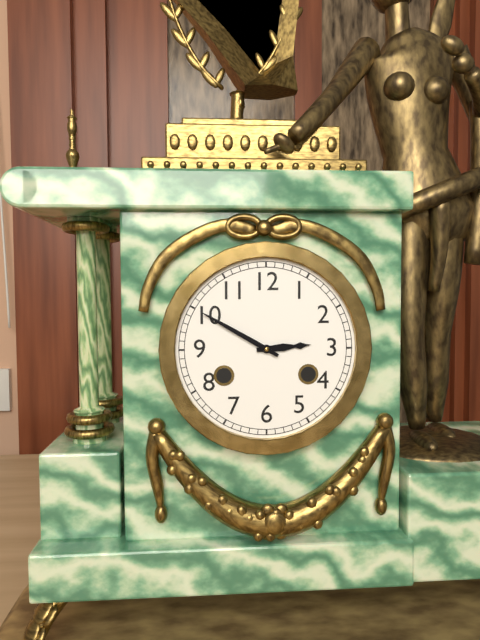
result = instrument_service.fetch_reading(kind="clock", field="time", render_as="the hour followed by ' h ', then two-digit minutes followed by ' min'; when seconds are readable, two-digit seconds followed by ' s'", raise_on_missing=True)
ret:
2 h 50 min
